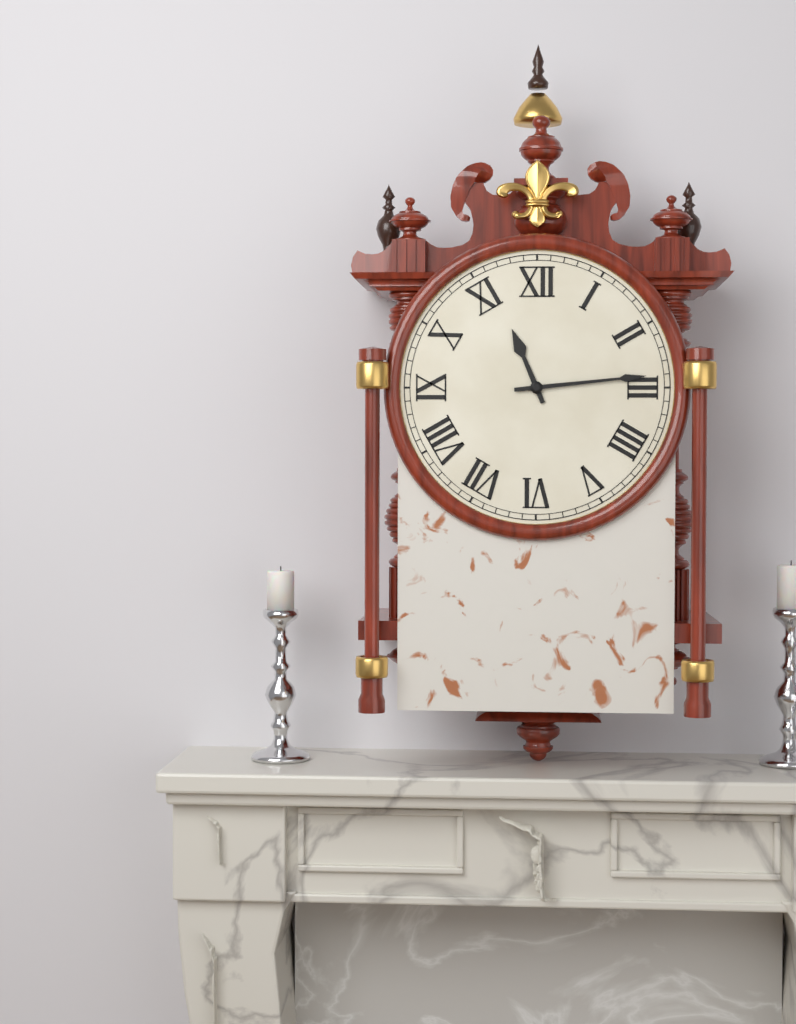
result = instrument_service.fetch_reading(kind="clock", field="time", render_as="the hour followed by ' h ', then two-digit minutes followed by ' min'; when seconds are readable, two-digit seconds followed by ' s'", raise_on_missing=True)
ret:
11 h 14 min
